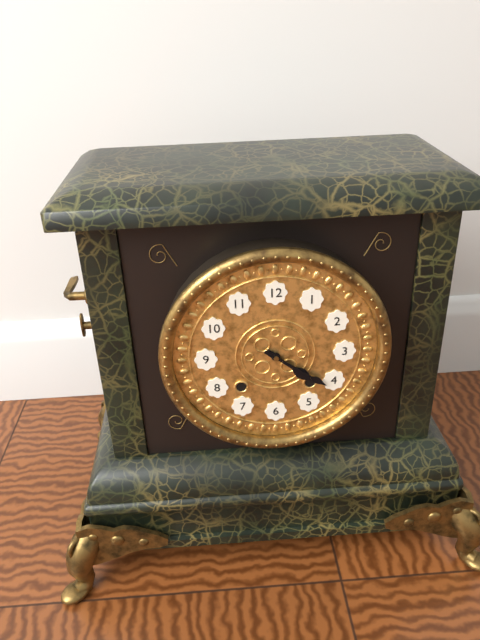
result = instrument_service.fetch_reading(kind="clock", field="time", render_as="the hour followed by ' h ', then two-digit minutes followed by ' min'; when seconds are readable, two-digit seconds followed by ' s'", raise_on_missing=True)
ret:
4 h 21 min
